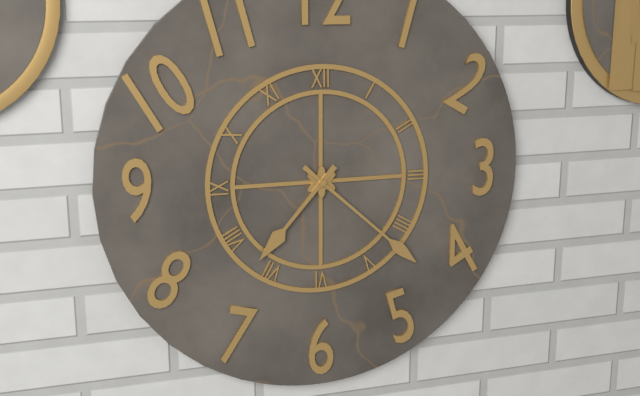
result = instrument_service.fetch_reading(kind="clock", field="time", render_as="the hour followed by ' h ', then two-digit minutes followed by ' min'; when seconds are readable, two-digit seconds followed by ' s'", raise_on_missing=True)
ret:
7 h 22 min
